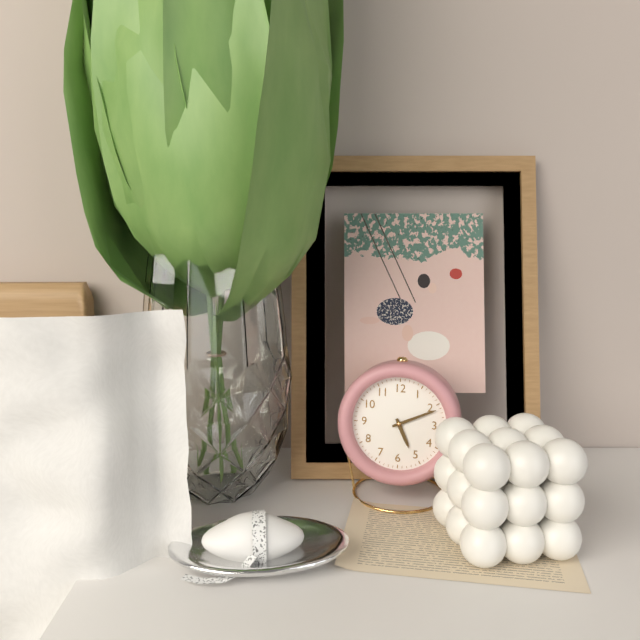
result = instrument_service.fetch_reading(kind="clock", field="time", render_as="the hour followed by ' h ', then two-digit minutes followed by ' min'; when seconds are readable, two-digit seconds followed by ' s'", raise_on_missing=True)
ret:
5 h 11 min
